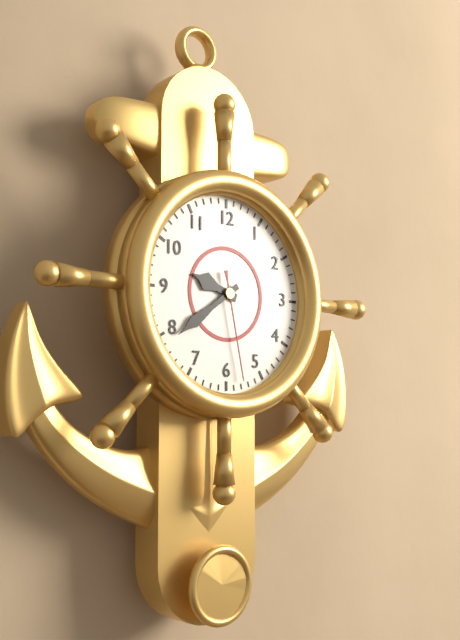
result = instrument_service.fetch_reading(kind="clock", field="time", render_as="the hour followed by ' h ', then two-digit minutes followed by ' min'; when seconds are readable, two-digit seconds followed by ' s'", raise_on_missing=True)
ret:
9 h 39 min 28 s
